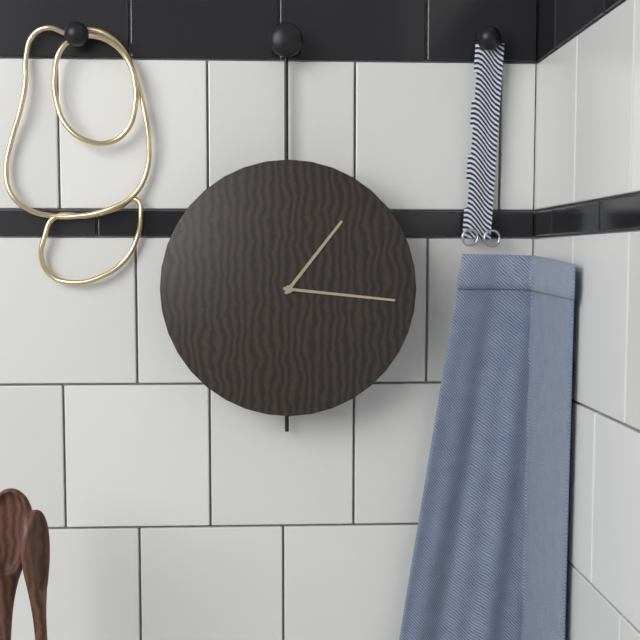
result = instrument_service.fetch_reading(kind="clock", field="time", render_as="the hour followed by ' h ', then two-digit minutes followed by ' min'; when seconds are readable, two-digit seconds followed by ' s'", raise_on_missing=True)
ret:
1 h 16 min
